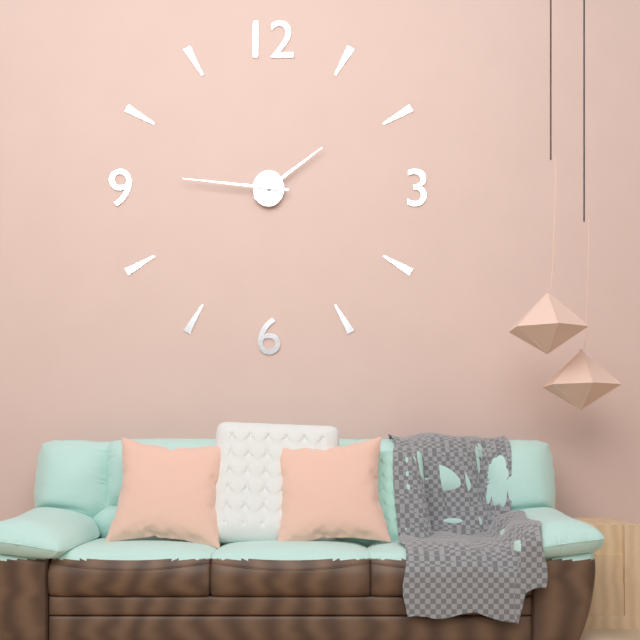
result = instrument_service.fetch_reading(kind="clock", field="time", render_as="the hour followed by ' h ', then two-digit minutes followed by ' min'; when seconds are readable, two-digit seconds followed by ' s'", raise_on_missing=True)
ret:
1 h 46 min
